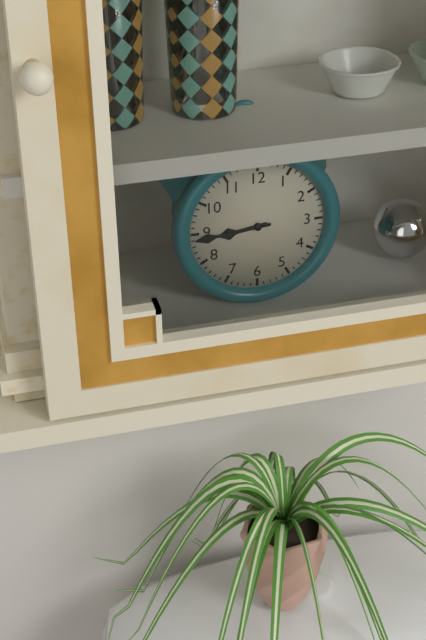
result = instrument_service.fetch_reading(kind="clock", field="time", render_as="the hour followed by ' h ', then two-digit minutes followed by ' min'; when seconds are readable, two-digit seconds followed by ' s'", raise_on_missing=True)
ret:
8 h 44 min
